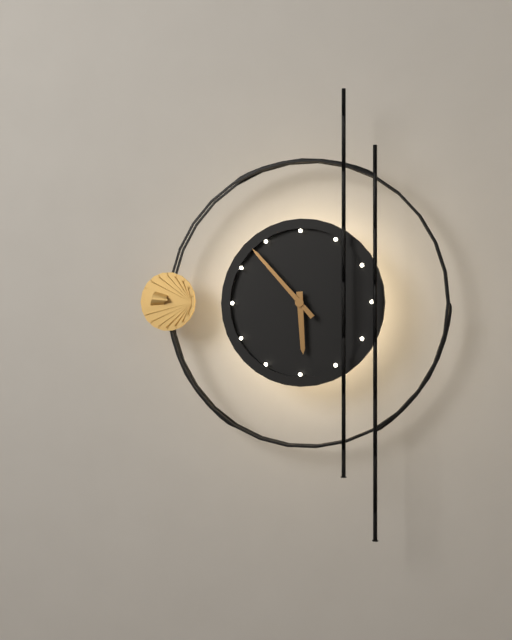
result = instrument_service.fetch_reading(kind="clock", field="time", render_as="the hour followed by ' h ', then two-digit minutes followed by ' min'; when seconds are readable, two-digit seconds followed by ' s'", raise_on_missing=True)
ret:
5 h 53 min
